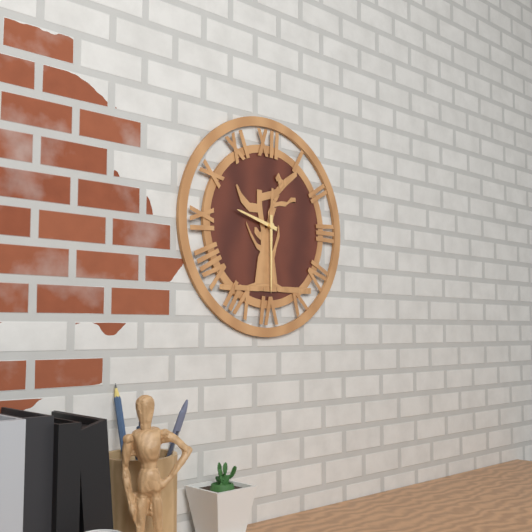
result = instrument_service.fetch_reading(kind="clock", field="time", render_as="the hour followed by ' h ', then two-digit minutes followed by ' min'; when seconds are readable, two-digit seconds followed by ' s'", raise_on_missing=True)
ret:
9 h 30 min
